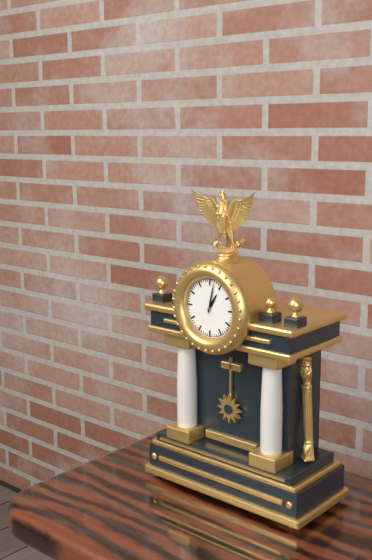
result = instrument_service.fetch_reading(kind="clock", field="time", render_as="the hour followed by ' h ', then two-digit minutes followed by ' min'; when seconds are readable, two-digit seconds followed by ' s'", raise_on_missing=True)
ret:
1 h 02 min
